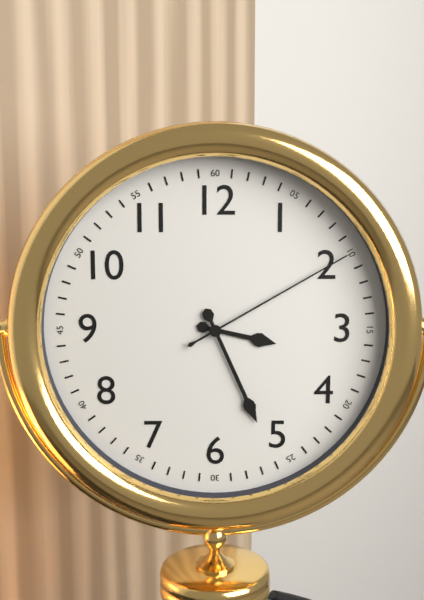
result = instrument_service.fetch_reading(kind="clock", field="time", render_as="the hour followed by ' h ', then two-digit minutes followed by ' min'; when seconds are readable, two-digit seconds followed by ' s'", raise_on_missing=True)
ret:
3 h 26 min 10 s
